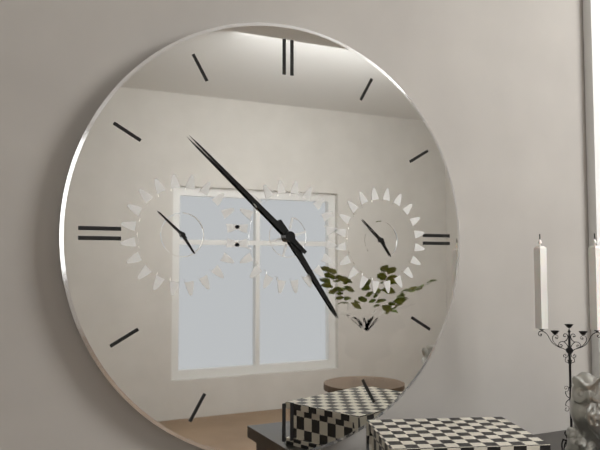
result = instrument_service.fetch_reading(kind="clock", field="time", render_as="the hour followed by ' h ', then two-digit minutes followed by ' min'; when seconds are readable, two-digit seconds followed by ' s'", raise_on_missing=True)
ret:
4 h 52 min
